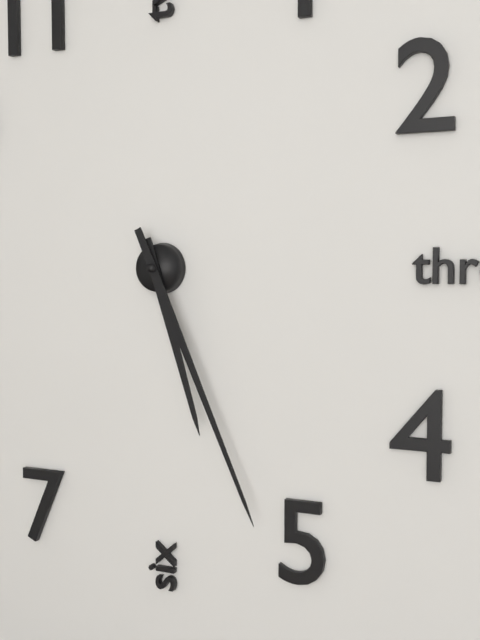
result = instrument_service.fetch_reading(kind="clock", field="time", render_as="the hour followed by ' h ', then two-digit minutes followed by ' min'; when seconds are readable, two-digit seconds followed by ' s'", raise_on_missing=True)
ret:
5 h 26 min
